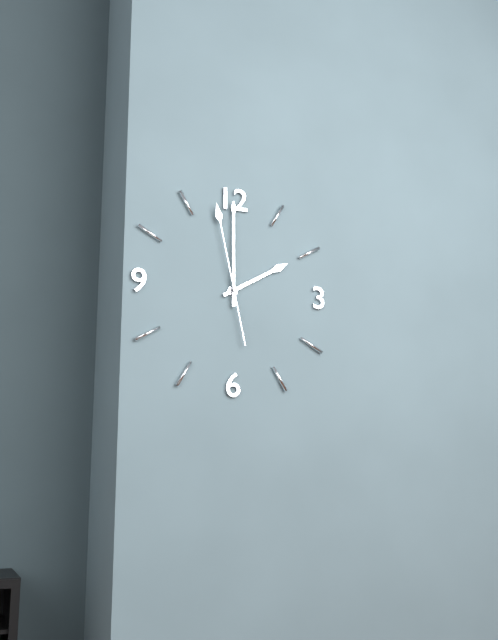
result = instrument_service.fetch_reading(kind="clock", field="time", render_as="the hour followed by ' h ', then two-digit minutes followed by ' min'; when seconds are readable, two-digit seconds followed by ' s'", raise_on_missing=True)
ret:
2 h 00 min 58 s
